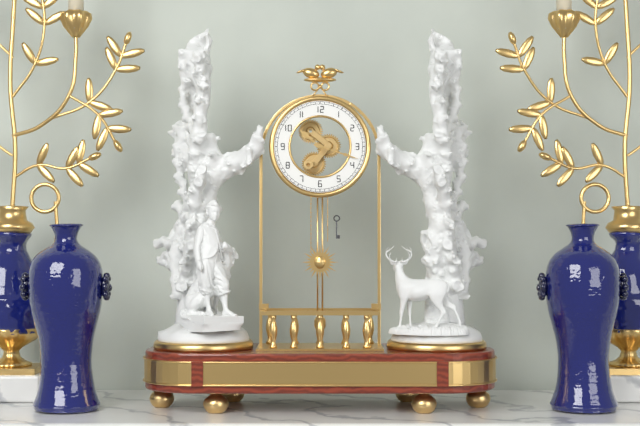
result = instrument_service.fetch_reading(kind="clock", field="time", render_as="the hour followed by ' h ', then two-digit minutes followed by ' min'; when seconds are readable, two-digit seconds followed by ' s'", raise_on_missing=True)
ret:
10 h 18 min
